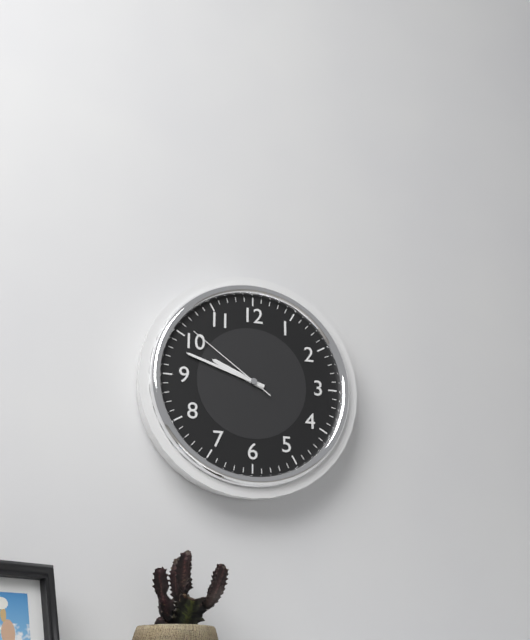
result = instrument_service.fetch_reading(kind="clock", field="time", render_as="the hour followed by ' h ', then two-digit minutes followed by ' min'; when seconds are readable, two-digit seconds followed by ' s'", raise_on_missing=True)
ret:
9 h 48 min 51 s
